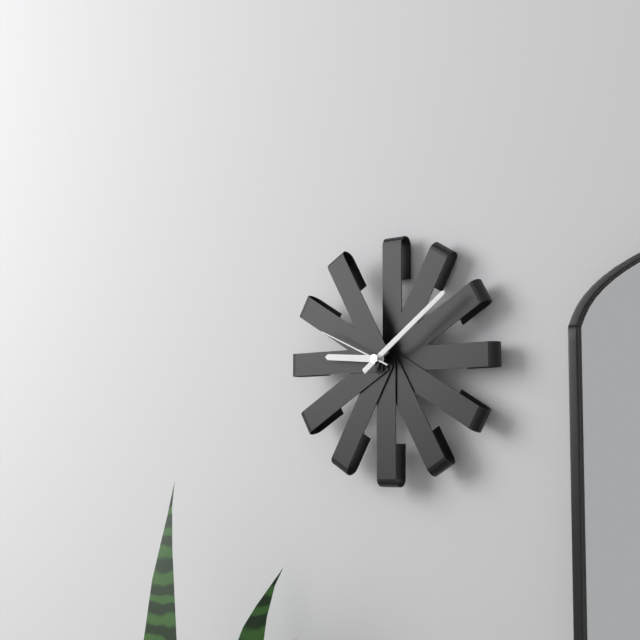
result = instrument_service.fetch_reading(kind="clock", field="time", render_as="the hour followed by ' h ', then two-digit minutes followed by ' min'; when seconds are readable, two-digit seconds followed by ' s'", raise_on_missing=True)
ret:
9 h 09 min 49 s
